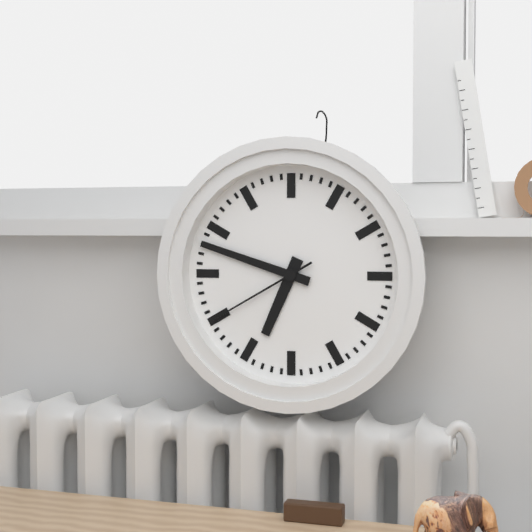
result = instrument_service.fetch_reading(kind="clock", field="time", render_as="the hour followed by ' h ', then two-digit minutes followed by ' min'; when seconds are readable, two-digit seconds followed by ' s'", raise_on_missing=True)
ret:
6 h 48 min 40 s
